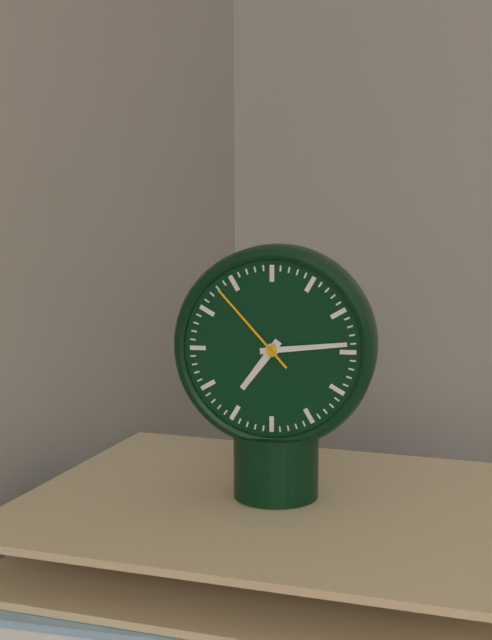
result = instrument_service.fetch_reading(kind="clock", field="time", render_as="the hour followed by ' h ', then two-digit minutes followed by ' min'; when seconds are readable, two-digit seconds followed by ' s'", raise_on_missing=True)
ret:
7 h 14 min 53 s
